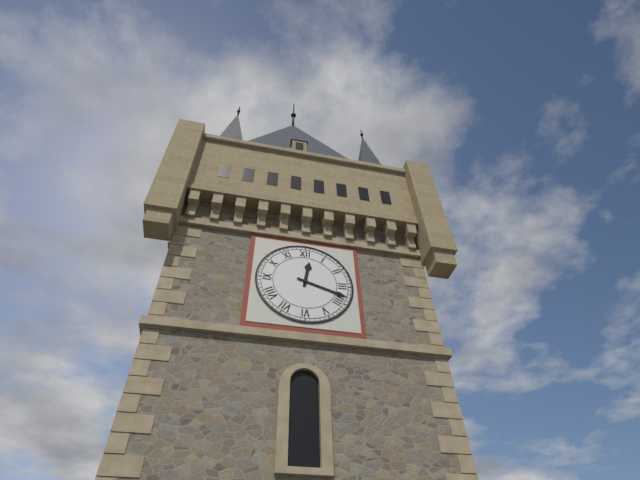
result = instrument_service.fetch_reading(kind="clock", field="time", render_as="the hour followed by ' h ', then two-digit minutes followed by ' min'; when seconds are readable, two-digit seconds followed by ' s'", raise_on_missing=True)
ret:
12 h 18 min
